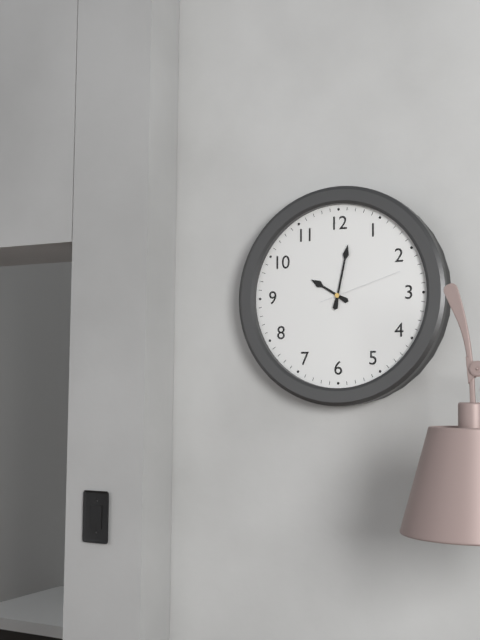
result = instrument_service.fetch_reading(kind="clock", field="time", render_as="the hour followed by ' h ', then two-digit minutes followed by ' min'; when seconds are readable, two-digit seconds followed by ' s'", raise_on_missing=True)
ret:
10 h 02 min 12 s
